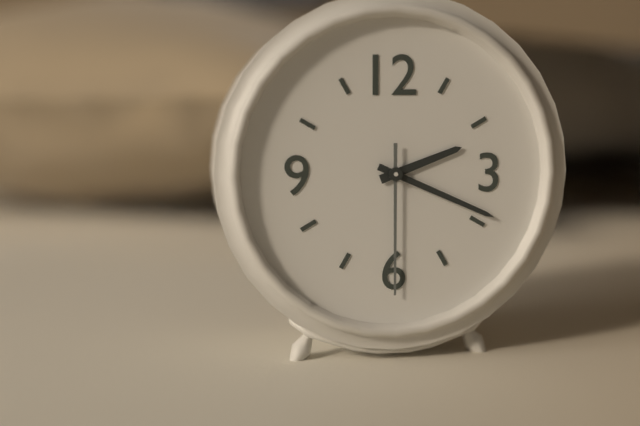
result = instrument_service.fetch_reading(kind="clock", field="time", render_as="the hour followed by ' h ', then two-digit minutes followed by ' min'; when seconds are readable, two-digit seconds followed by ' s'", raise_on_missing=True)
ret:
2 h 19 min 30 s
